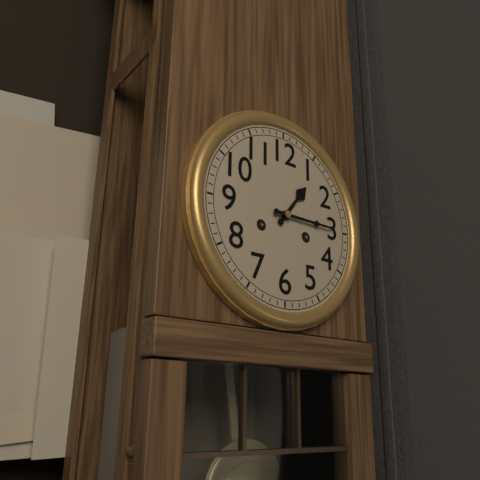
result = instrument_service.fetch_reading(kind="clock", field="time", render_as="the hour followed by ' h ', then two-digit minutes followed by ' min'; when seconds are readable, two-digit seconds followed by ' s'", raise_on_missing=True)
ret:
1 h 15 min
